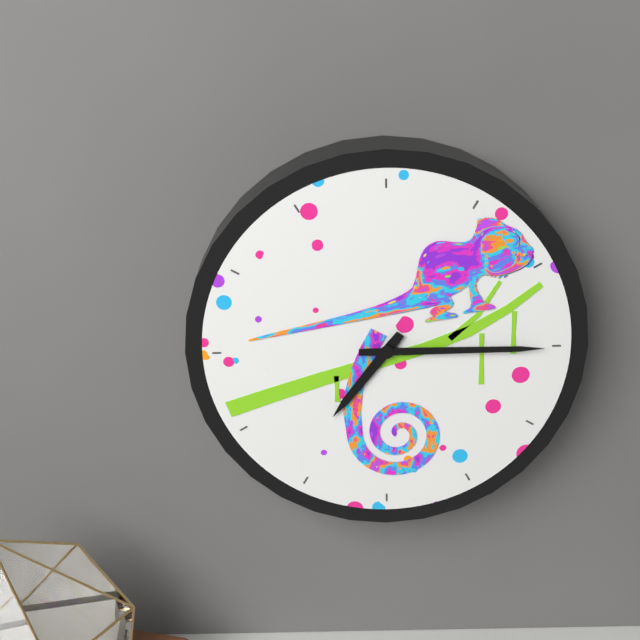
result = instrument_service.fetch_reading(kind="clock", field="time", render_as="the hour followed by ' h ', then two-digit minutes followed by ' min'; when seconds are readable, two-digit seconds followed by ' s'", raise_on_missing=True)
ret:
7 h 15 min
